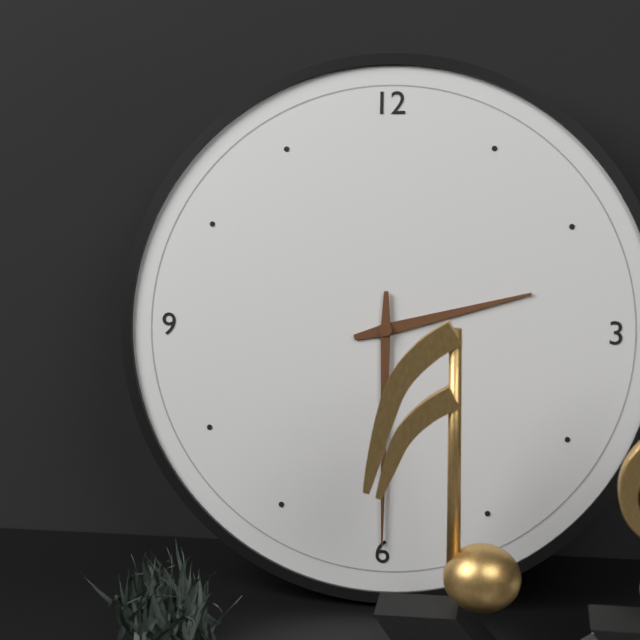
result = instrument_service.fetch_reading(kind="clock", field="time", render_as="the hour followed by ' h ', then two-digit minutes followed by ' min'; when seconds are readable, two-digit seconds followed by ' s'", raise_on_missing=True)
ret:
2 h 30 min
